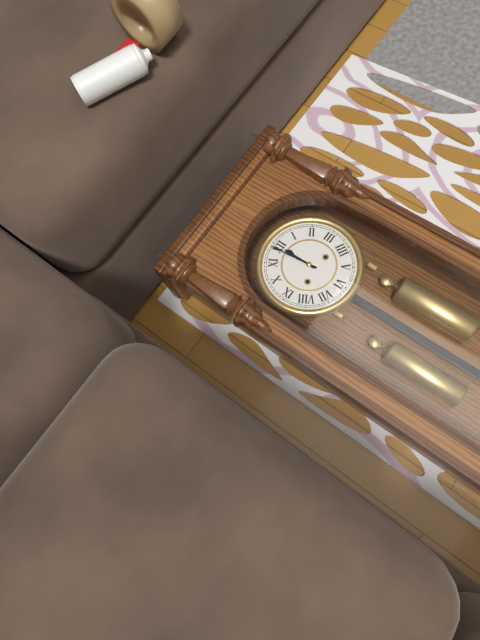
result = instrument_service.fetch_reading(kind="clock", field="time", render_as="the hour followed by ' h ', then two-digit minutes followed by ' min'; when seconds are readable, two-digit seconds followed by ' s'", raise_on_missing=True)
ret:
11 h 59 min
